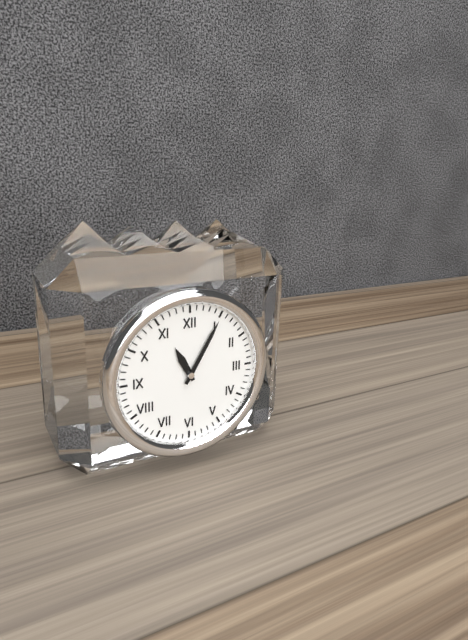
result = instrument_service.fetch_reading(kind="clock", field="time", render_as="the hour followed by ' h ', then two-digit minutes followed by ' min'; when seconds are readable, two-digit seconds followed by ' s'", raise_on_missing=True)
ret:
11 h 05 min
